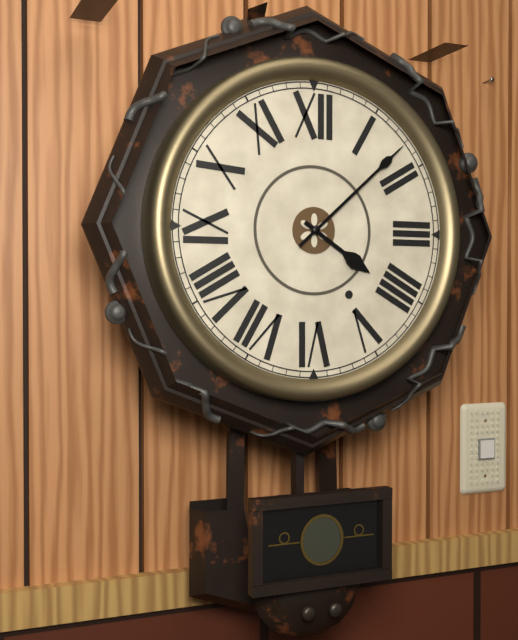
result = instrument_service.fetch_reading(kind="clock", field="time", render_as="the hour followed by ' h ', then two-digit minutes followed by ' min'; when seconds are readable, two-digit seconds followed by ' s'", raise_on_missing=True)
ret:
4 h 08 min
